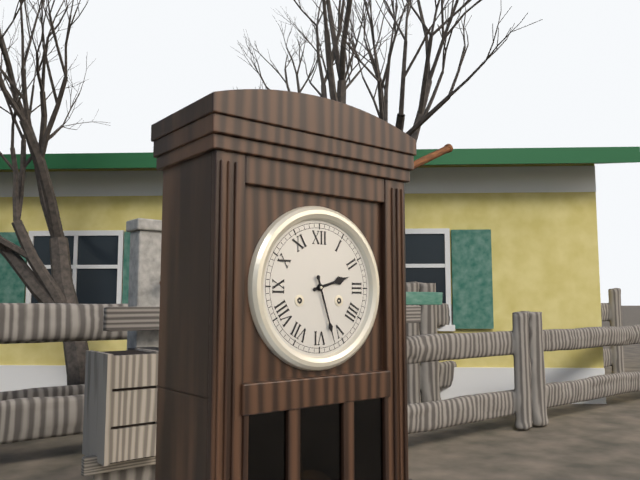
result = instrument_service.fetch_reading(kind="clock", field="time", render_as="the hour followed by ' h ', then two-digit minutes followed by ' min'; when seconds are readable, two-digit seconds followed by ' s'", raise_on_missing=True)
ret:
2 h 27 min
